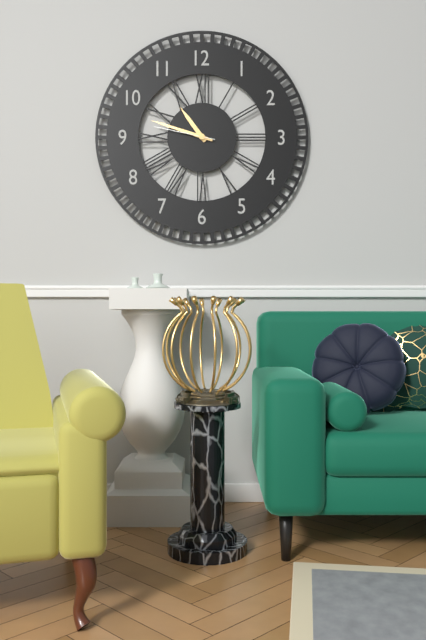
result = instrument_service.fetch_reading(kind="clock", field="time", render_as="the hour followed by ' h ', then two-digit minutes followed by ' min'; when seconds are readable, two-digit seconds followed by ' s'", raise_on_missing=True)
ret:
10 h 48 min 47 s
